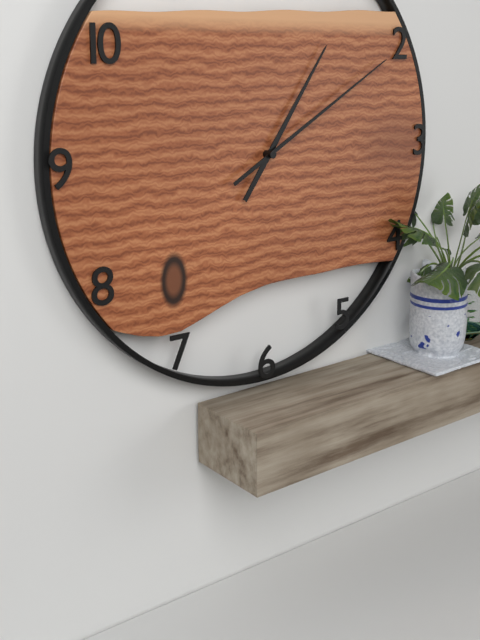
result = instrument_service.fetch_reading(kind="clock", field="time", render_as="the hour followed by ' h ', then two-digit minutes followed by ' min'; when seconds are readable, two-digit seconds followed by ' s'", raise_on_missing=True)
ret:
1 h 10 min
